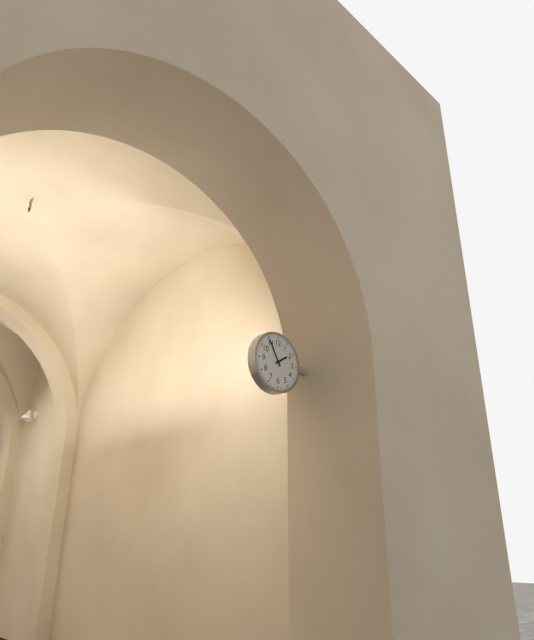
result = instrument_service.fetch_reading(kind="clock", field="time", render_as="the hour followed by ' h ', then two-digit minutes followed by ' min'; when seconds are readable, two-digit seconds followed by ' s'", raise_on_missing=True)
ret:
1 h 55 min
